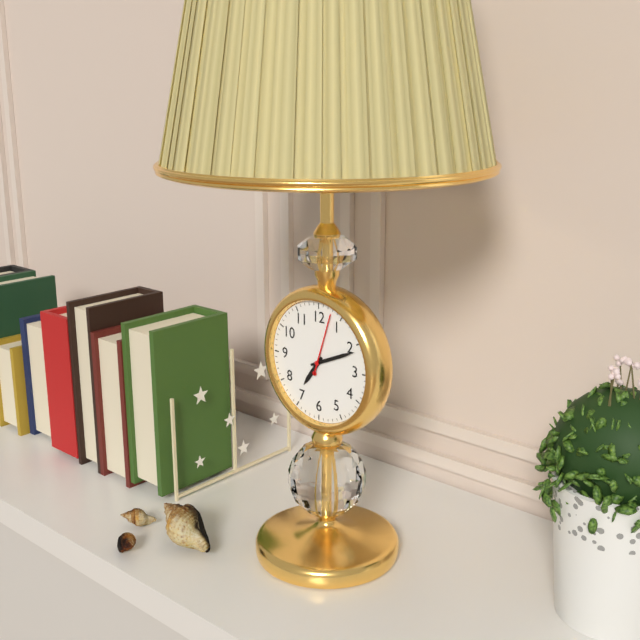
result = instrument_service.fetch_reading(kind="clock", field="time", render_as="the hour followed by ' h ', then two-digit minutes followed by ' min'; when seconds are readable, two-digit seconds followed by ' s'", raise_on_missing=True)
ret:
7 h 11 min 03 s
